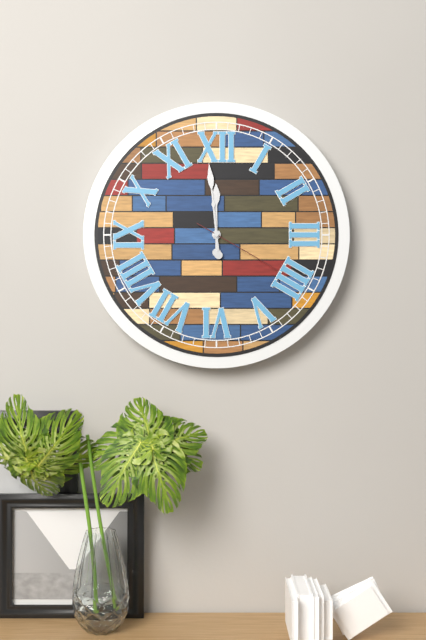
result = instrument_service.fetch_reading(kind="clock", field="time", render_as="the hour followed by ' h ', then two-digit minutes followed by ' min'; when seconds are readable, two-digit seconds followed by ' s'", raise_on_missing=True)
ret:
11 h 59 min 20 s
